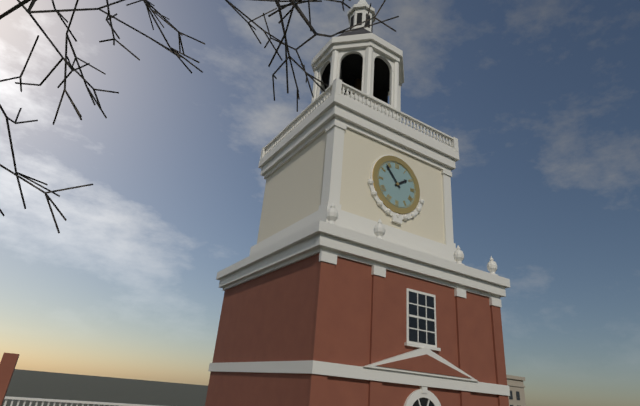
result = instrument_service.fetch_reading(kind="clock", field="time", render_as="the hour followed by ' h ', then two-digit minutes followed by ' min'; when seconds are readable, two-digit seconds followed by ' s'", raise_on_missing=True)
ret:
1 h 53 min
